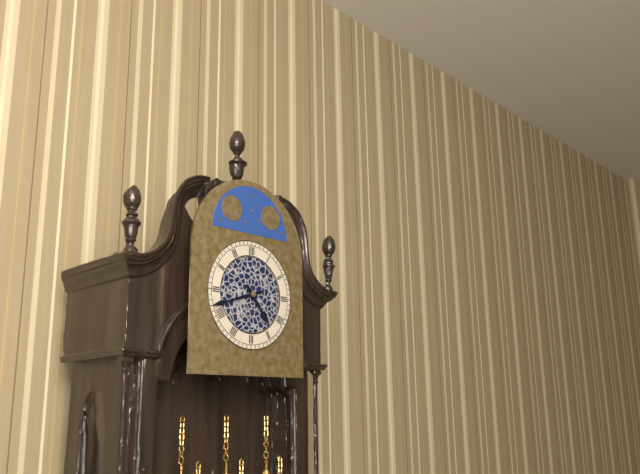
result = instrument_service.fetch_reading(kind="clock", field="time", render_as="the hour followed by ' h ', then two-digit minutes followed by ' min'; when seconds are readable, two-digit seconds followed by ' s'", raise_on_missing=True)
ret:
4 h 42 min
